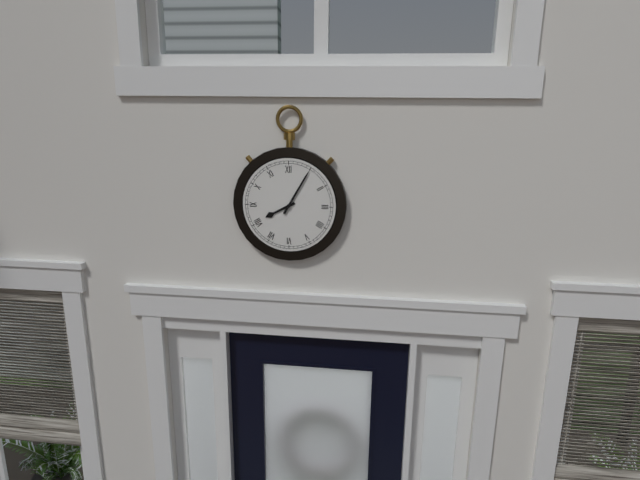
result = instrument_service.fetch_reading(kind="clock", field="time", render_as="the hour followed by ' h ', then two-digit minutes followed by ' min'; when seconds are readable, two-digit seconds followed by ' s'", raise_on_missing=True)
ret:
8 h 05 min
